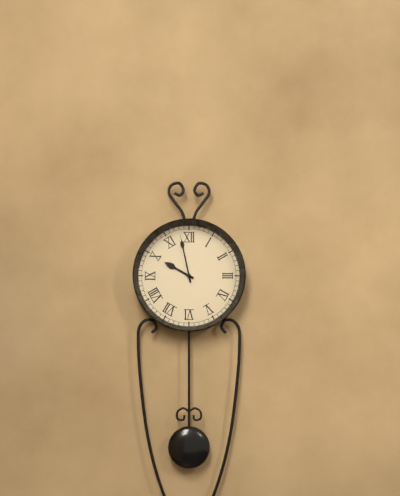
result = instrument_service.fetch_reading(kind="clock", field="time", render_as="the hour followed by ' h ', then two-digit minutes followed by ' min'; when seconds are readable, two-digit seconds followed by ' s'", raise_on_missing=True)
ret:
9 h 58 min
